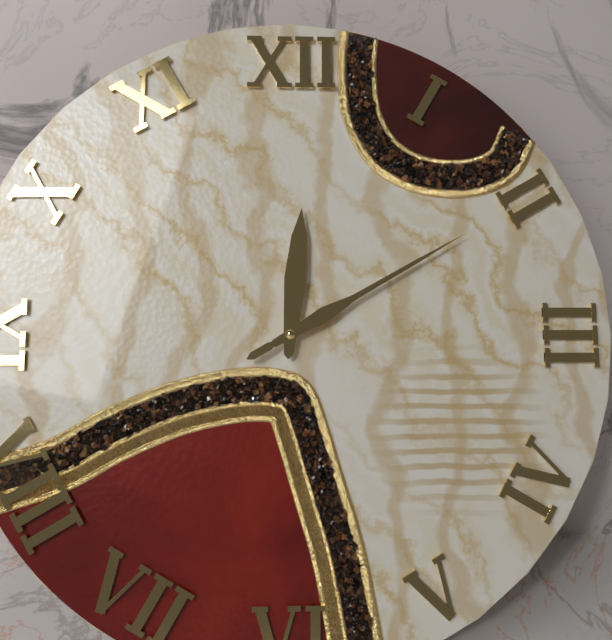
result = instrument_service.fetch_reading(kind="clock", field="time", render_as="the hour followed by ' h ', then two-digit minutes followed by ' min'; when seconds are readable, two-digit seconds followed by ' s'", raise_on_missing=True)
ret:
12 h 10 min 10 s
